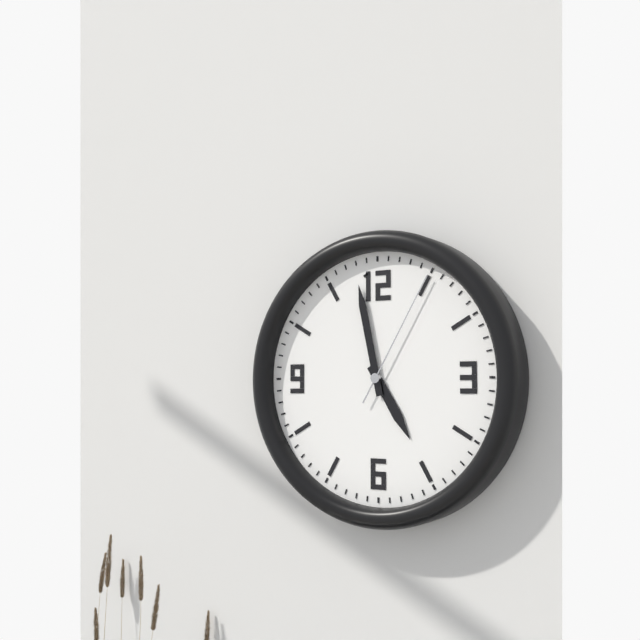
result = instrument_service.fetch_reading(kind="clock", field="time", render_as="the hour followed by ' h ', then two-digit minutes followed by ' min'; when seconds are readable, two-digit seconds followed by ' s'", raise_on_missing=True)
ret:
4 h 58 min 05 s
